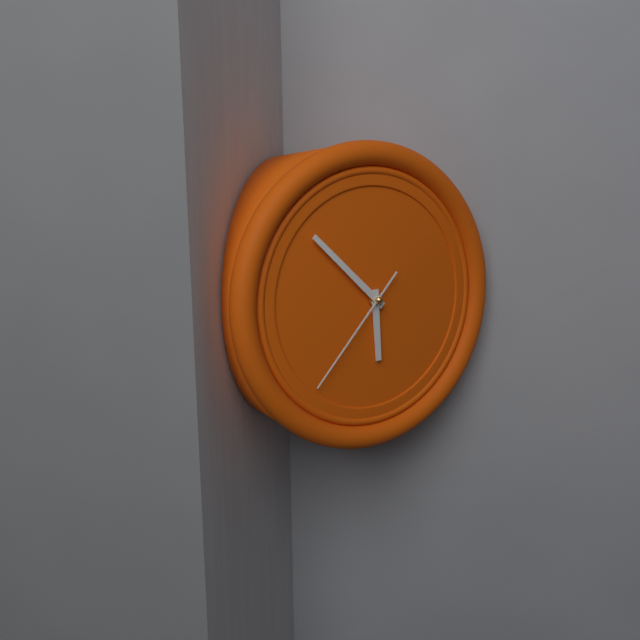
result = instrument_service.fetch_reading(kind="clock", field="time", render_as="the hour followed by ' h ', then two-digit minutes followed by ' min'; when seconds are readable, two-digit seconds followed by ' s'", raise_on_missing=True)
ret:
5 h 52 min 37 s
